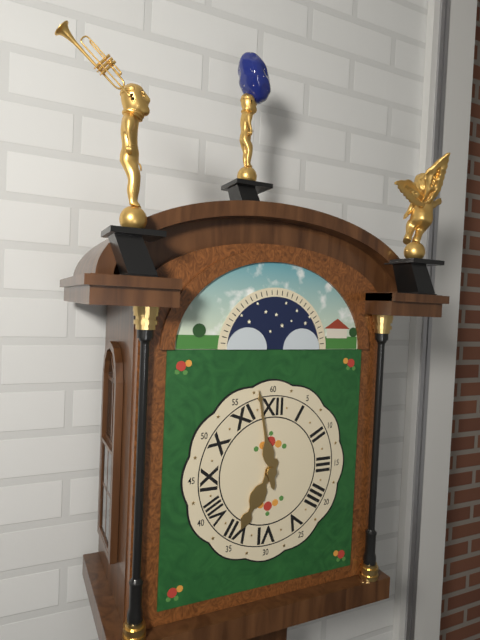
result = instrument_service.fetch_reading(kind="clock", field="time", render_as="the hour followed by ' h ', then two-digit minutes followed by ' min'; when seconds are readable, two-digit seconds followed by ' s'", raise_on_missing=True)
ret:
6 h 58 min
